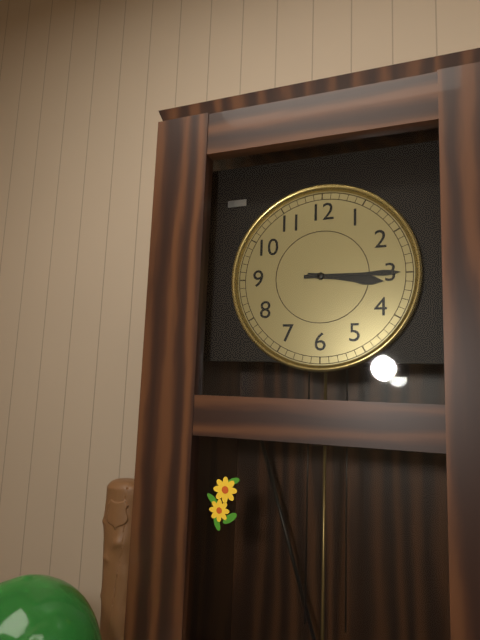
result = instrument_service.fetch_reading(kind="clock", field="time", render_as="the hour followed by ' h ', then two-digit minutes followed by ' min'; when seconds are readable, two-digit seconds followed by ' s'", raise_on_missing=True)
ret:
3 h 15 min
